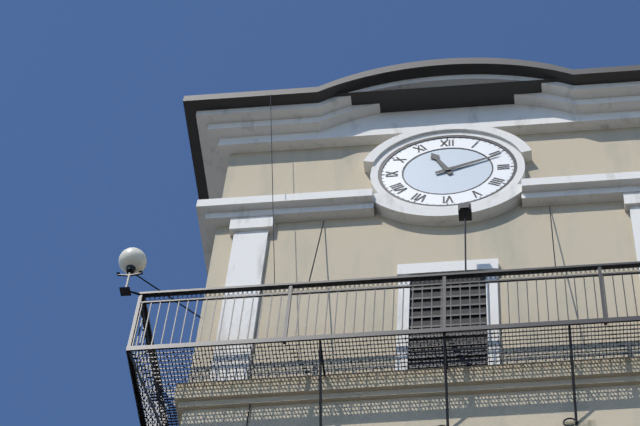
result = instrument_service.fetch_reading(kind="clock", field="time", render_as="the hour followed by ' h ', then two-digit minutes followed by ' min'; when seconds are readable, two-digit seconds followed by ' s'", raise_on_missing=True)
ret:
11 h 11 min
